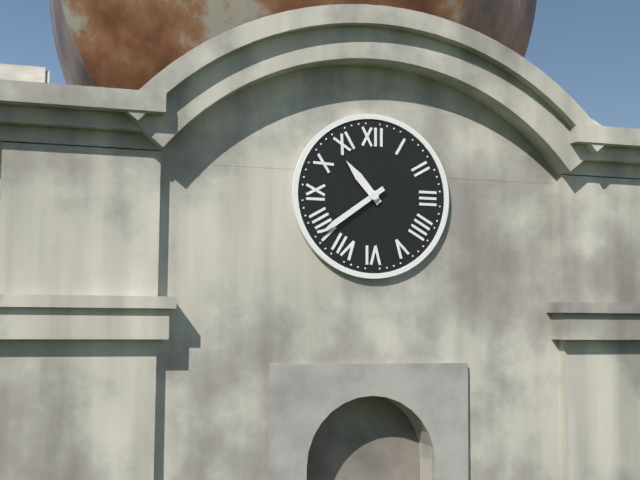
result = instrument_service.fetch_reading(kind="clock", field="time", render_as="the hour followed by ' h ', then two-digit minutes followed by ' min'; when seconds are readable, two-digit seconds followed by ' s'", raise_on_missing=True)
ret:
10 h 39 min
